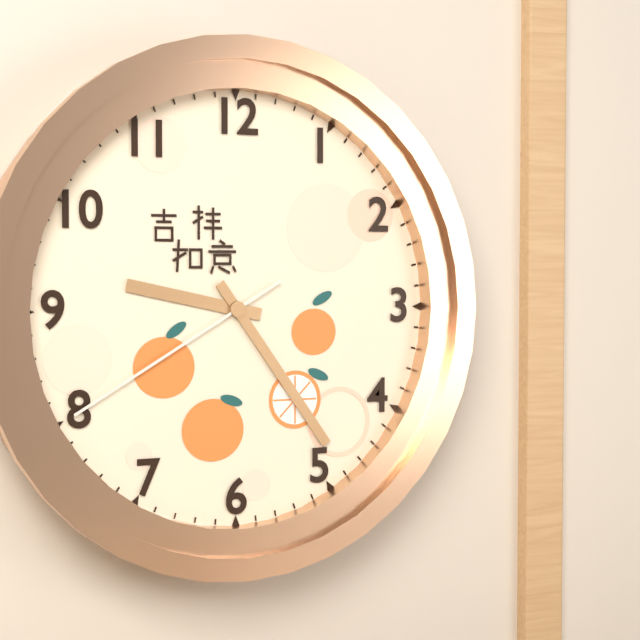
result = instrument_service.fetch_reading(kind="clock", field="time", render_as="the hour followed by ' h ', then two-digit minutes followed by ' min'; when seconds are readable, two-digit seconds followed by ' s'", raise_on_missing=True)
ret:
9 h 24 min 40 s
